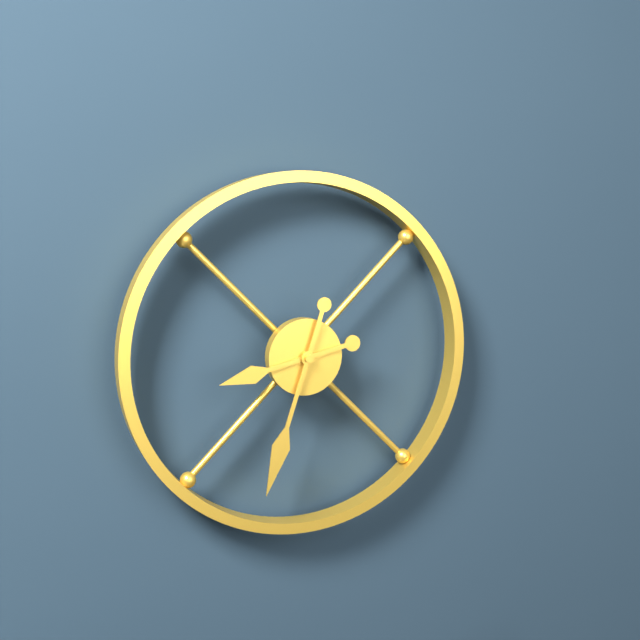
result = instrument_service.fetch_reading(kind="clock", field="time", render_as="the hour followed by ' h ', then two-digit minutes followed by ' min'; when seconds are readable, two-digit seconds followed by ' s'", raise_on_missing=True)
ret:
8 h 33 min
